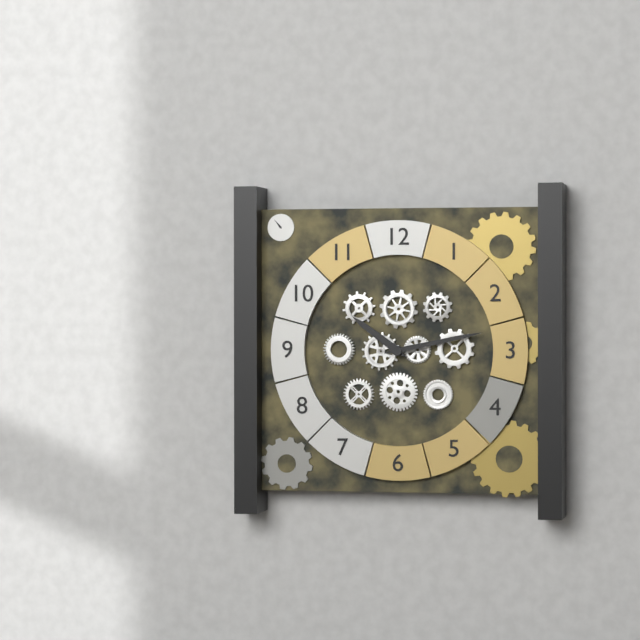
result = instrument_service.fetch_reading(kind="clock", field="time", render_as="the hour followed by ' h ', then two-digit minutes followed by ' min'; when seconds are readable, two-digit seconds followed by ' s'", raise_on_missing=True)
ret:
10 h 13 min
